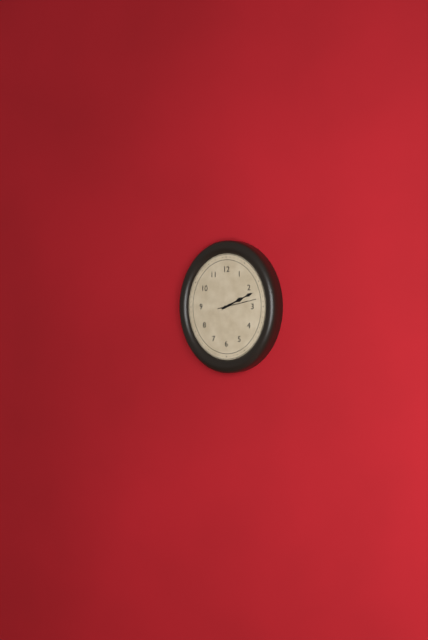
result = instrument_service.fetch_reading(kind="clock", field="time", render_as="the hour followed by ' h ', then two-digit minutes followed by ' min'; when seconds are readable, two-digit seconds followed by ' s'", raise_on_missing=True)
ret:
2 h 11 min
